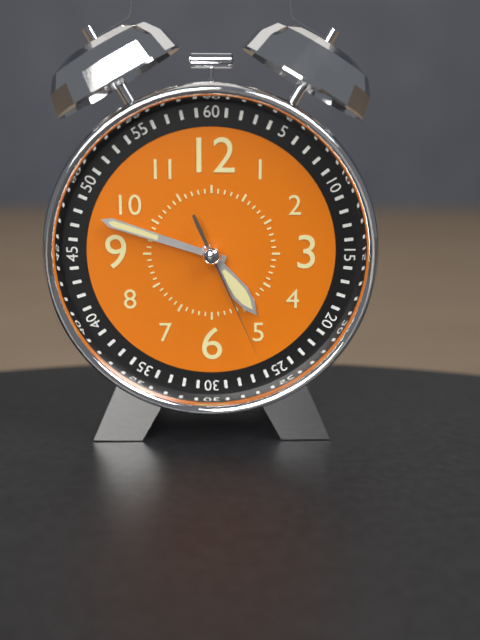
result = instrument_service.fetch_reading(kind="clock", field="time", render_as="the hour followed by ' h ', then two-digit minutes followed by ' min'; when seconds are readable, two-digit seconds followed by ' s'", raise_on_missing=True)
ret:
4 h 48 min 26 s
